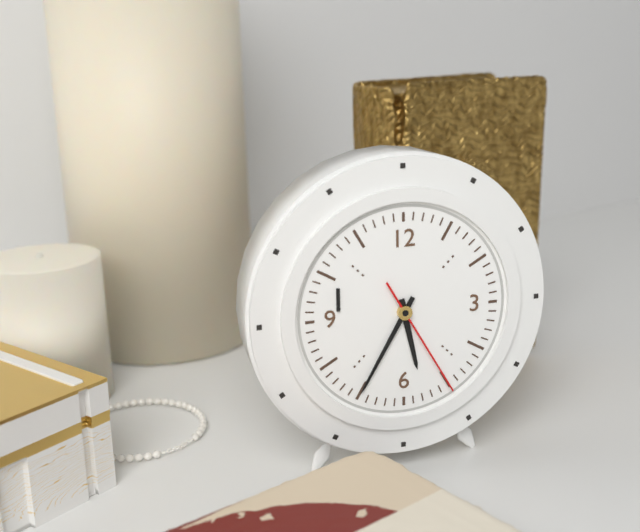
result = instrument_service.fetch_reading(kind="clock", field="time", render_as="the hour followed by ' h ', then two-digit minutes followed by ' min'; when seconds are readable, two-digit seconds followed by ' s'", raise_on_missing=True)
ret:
5 h 35 min 25 s
